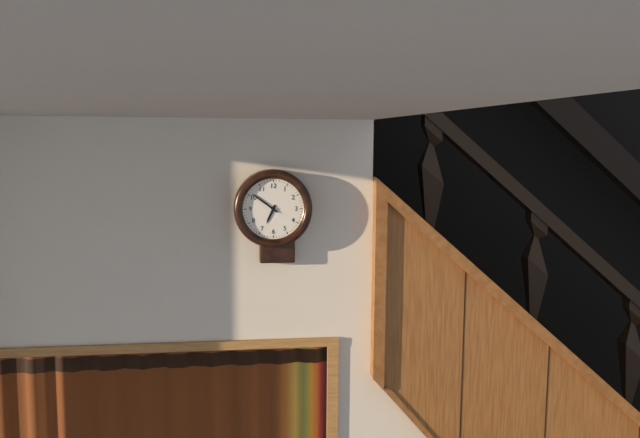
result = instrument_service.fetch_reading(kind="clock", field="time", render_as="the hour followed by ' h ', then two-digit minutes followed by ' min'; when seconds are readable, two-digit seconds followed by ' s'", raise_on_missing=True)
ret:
6 h 51 min
